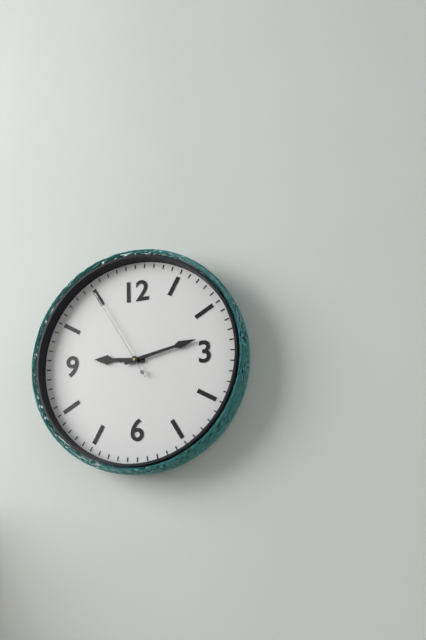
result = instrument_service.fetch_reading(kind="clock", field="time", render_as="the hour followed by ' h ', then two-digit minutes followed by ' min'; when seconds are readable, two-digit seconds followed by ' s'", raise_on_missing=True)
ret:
9 h 13 min 55 s
